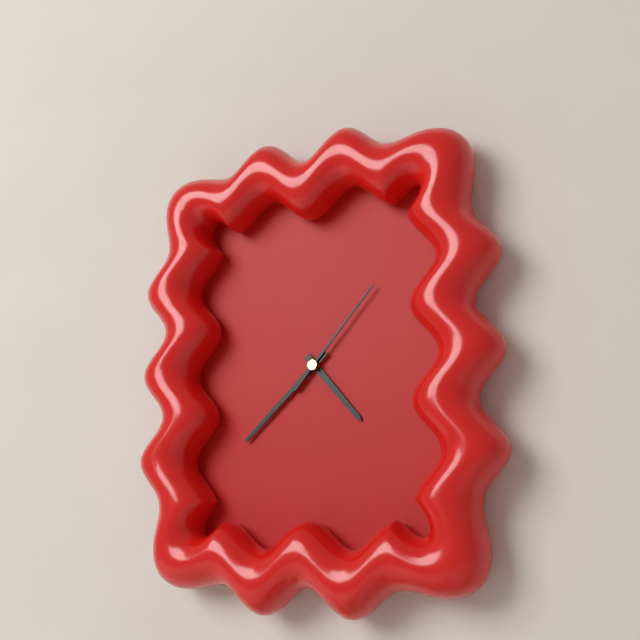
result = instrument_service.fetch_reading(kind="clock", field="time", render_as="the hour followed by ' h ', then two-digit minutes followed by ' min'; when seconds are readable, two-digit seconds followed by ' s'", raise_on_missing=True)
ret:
4 h 38 min 07 s
